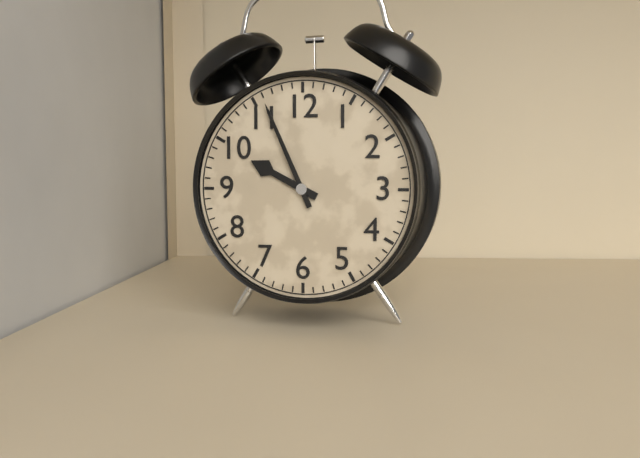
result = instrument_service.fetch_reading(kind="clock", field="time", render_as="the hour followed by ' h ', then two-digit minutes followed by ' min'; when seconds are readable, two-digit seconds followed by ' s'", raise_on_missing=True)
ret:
9 h 56 min
